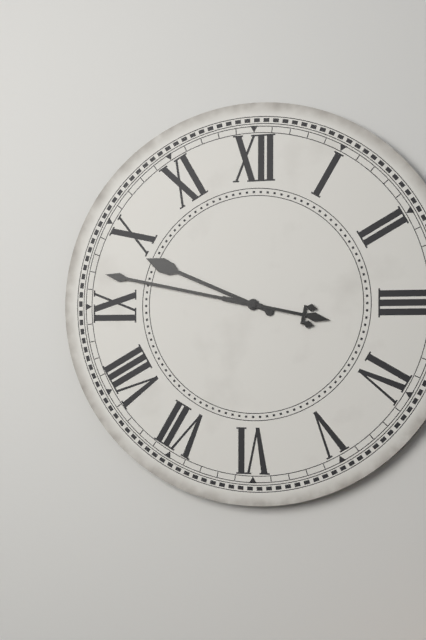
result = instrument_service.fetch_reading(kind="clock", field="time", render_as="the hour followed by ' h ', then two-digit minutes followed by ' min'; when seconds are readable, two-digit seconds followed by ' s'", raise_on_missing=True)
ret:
9 h 47 min
